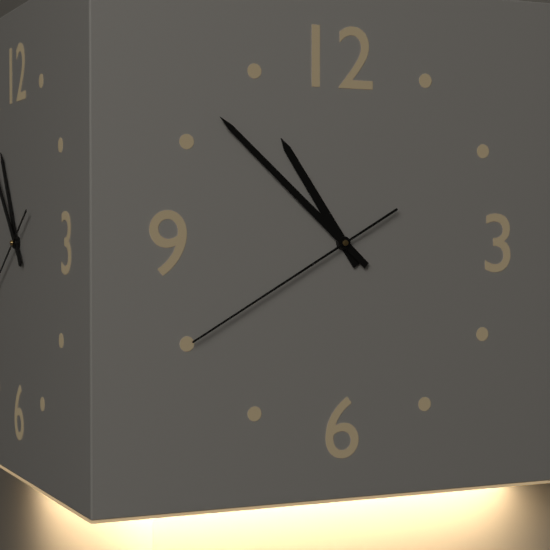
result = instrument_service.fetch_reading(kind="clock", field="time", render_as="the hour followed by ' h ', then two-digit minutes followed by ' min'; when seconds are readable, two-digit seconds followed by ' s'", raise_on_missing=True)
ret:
10 h 52 min 40 s
